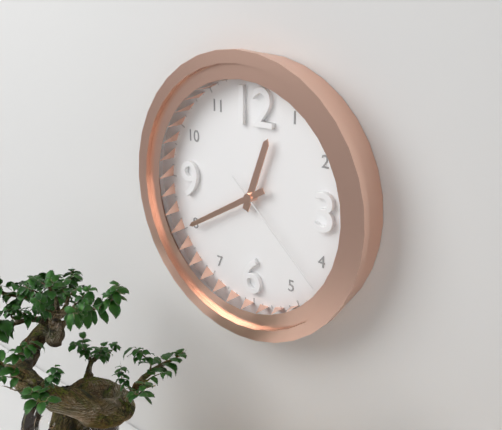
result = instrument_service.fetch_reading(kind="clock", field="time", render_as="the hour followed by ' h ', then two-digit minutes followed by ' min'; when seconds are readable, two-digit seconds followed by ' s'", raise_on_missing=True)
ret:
12 h 40 min 22 s
